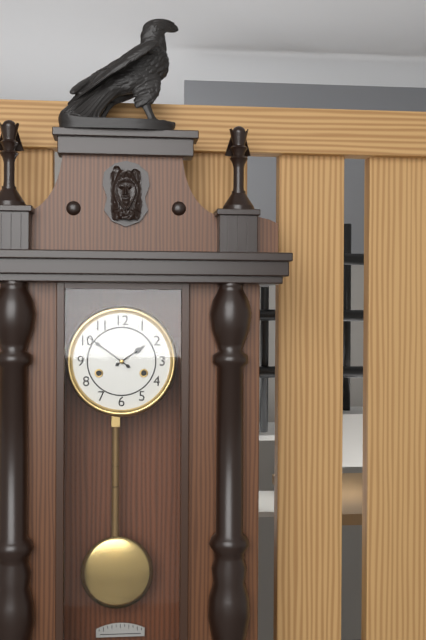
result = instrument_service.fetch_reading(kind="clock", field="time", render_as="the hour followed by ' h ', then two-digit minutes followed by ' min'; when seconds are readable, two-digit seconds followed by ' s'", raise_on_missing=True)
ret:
1 h 51 min
